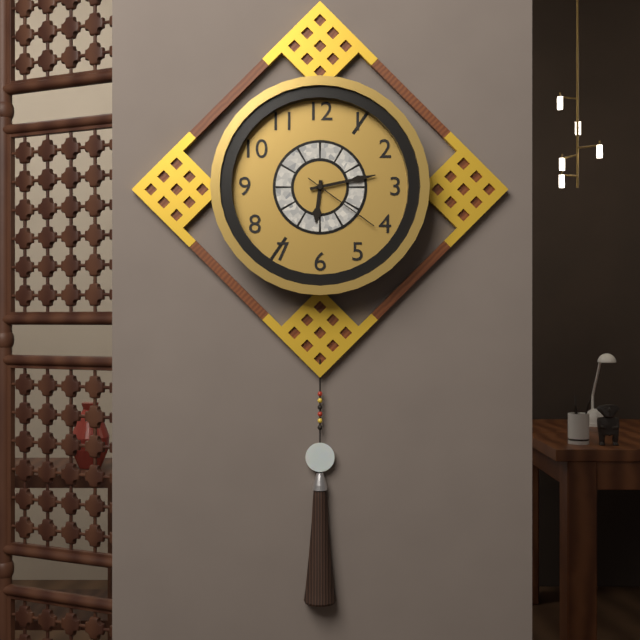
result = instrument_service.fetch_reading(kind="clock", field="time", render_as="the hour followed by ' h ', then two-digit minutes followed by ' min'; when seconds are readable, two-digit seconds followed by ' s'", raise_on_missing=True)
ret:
6 h 13 min 21 s
